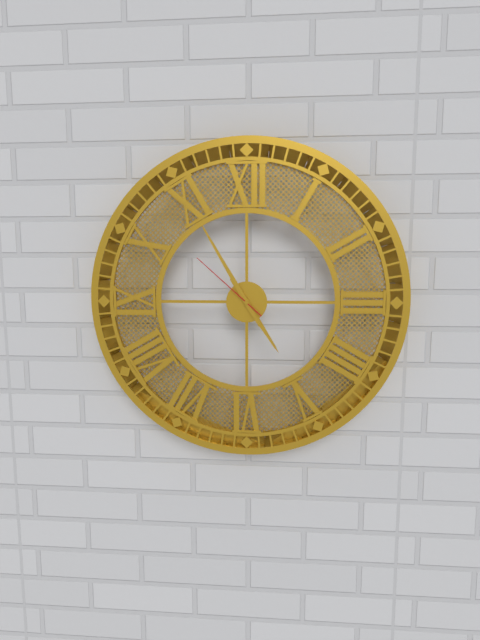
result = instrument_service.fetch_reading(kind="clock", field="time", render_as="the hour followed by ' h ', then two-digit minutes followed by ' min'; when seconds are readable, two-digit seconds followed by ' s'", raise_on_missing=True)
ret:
4 h 55 min 52 s
